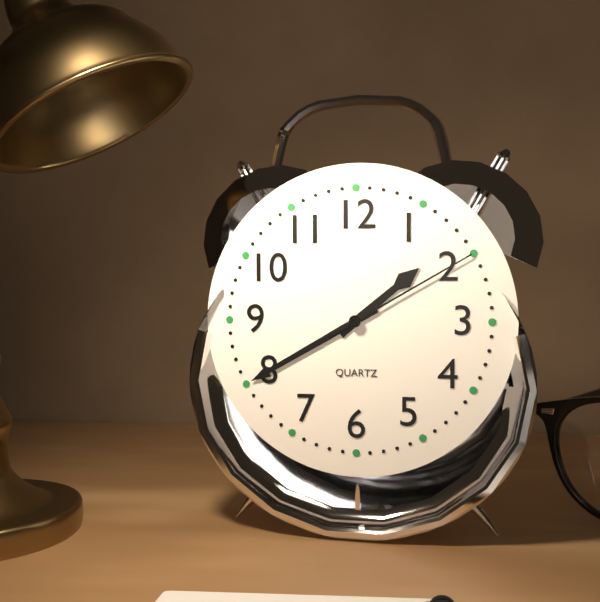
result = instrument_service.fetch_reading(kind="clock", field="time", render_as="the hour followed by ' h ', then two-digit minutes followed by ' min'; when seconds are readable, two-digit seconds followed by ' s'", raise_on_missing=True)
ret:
1 h 40 min 10 s
